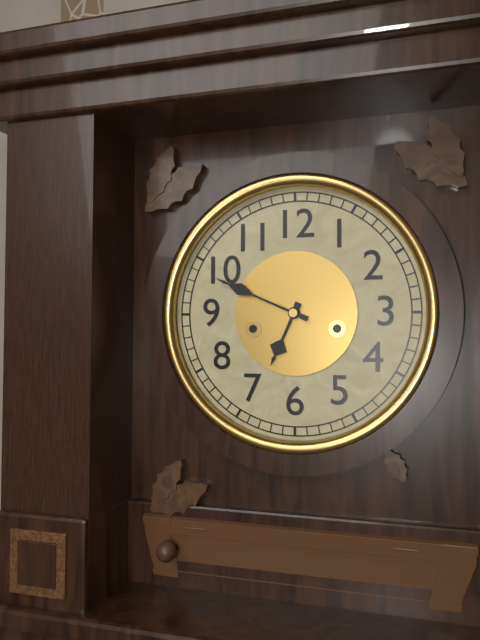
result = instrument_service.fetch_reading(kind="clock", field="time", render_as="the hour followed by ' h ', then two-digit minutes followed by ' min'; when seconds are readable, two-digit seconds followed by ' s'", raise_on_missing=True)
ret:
6 h 49 min
